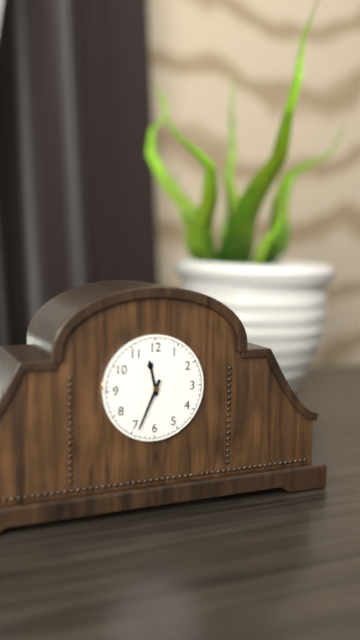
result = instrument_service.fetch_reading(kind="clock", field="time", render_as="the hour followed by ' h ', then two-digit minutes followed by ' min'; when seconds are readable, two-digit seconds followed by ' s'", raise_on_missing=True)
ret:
11 h 34 min
